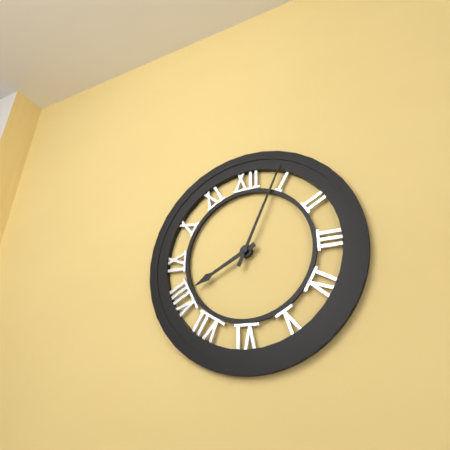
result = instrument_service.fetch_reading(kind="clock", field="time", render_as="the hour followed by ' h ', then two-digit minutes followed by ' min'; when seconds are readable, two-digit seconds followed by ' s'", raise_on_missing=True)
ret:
8 h 04 min
